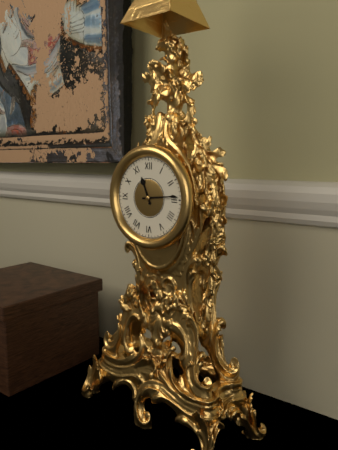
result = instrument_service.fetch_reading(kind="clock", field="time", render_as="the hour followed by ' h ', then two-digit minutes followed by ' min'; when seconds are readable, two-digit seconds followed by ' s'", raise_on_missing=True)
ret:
11 h 14 min
